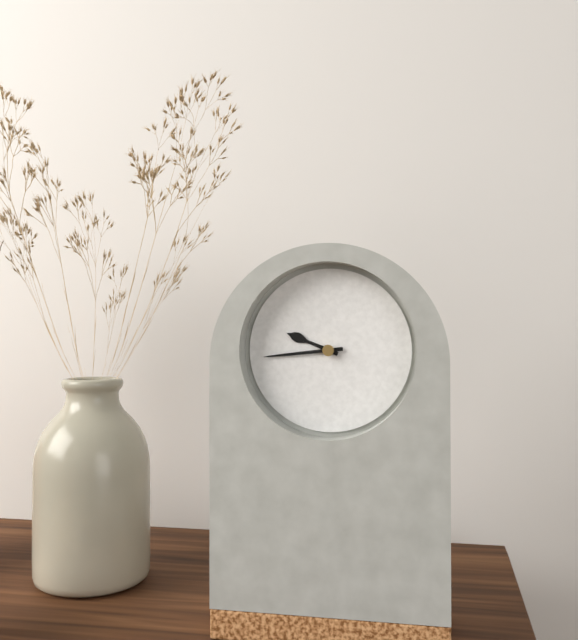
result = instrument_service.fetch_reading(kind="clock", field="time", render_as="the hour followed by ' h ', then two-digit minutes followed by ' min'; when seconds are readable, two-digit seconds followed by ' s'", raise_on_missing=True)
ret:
9 h 44 min
